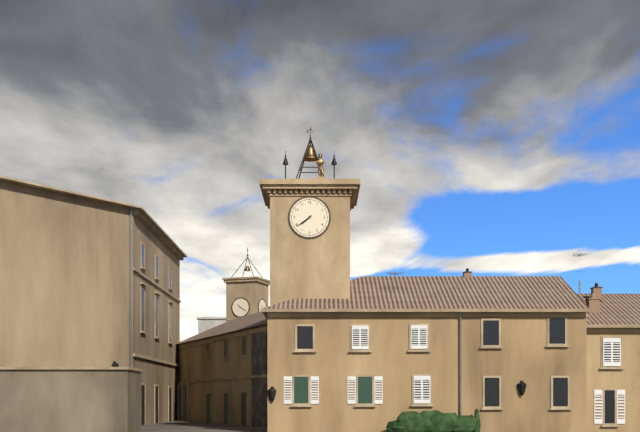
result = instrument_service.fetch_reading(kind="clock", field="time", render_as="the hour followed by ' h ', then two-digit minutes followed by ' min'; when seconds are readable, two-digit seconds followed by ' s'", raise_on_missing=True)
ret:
7 h 39 min
